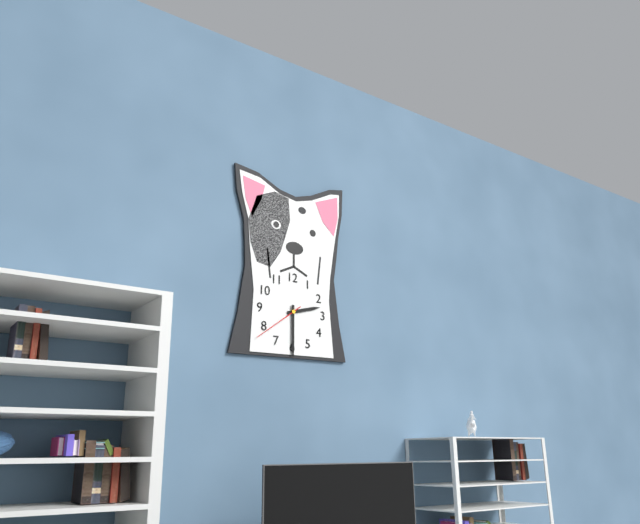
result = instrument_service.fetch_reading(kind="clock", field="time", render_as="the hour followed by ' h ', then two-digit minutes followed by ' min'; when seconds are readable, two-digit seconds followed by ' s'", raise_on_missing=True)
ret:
2 h 30 min 39 s
